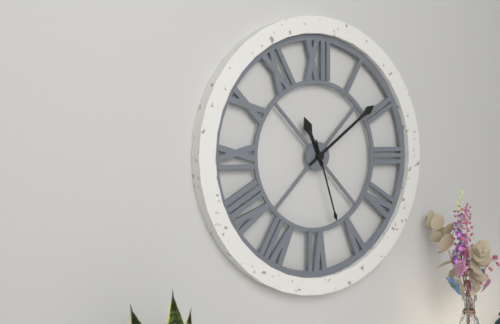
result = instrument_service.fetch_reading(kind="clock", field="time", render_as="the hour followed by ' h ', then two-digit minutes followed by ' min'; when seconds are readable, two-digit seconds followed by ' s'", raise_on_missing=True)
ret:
11 h 09 min 27 s
